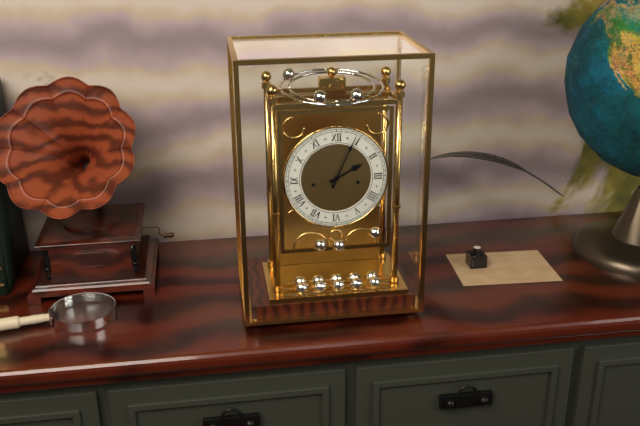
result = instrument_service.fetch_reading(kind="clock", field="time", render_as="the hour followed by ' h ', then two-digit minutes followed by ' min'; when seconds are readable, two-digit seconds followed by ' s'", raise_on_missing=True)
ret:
2 h 04 min
